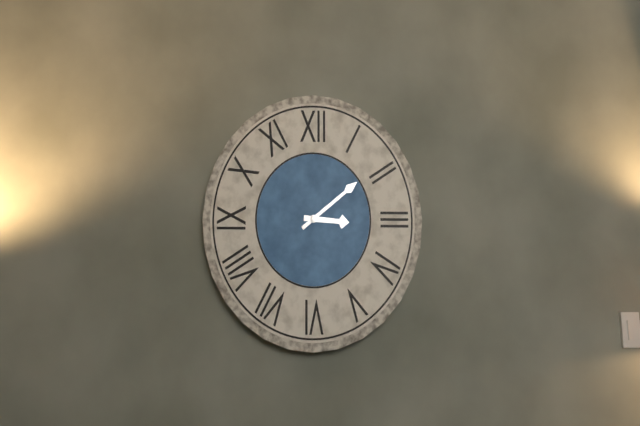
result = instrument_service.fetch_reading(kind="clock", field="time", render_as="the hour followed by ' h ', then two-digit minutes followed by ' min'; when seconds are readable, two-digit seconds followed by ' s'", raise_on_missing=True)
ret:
3 h 09 min
